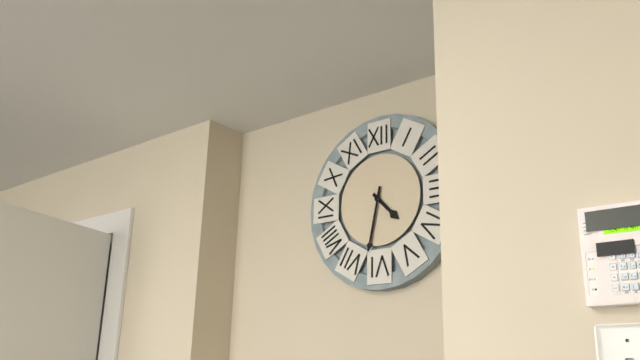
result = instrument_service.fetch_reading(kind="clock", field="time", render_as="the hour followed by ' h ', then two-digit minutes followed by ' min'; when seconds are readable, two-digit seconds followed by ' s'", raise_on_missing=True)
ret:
4 h 32 min
